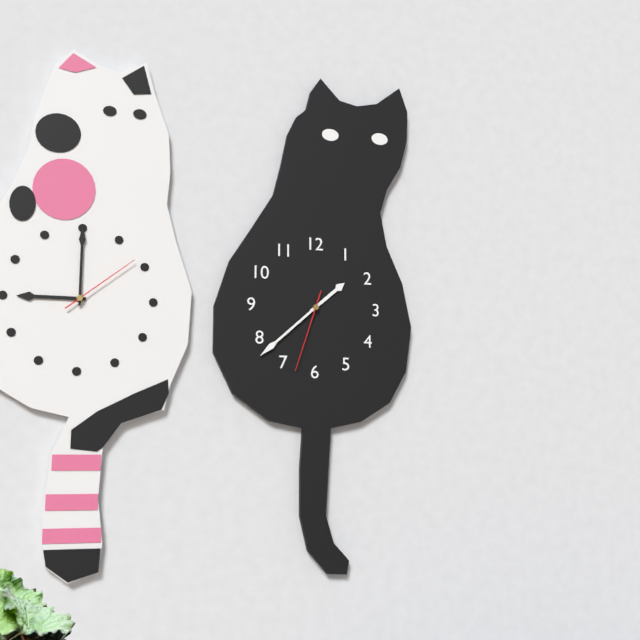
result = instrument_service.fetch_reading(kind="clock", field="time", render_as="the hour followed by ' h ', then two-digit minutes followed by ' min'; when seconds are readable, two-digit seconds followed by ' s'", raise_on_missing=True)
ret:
1 h 38 min 33 s
